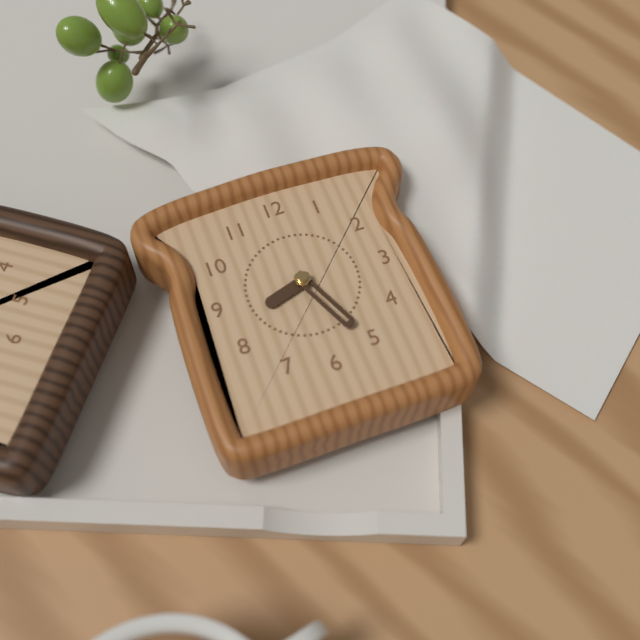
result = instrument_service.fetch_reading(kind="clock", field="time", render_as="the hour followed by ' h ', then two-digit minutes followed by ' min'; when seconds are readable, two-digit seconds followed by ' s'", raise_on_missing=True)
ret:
8 h 26 min
